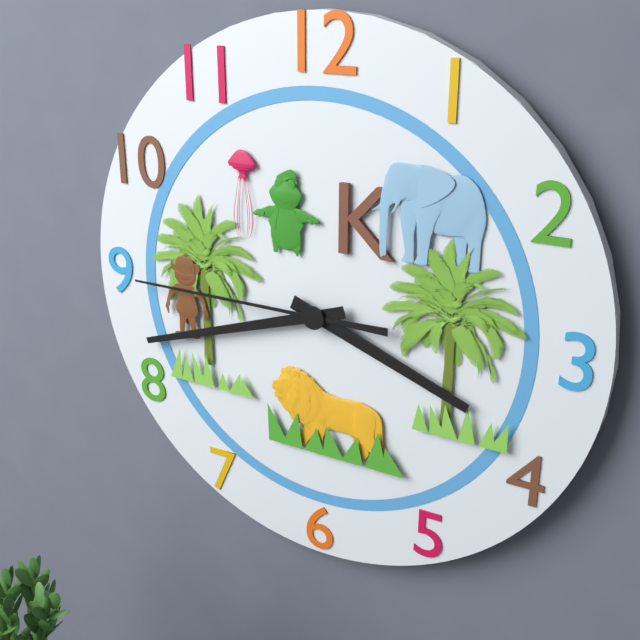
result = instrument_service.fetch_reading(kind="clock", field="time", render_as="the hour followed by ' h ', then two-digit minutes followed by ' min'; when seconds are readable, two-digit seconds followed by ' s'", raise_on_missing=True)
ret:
3 h 42 min 45 s
